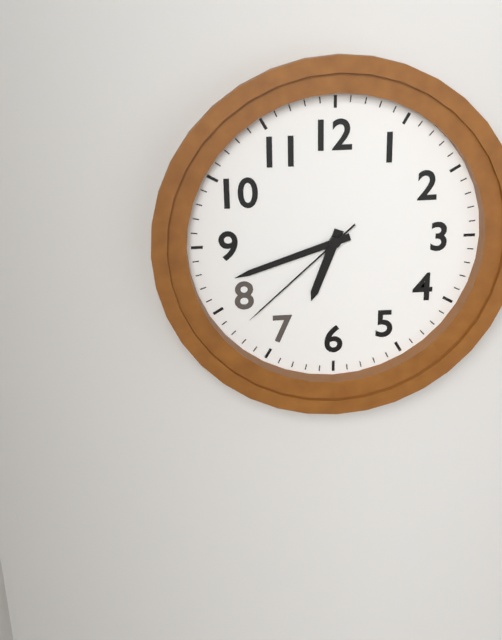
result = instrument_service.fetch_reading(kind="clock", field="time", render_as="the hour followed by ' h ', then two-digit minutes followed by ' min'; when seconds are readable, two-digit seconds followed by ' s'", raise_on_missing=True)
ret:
6 h 42 min 38 s
